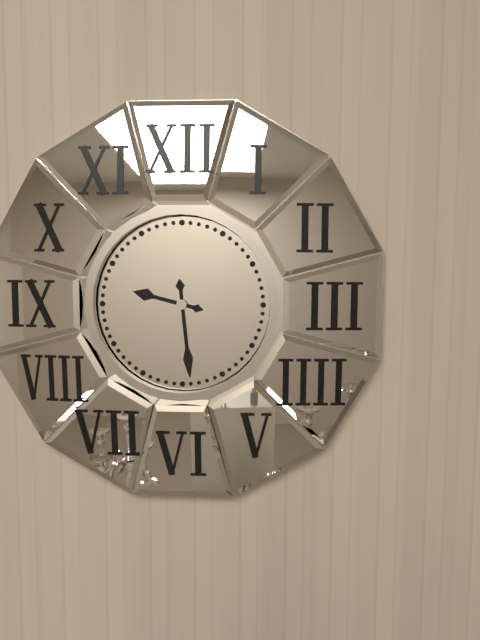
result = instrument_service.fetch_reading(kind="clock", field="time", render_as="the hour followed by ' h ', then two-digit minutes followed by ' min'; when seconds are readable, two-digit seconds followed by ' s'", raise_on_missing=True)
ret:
9 h 29 min
